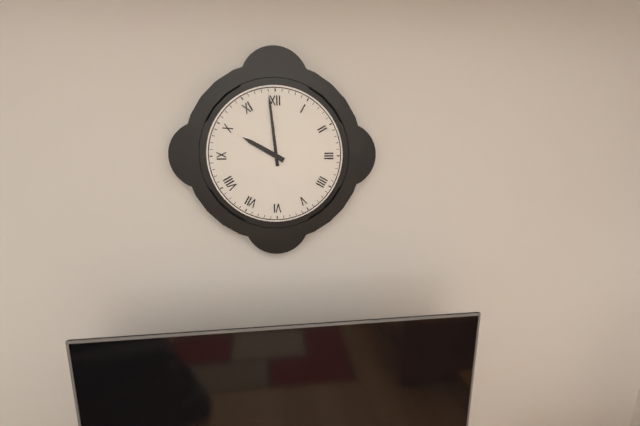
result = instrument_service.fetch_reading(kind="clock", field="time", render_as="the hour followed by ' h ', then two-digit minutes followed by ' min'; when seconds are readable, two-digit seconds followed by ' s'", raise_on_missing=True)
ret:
9 h 59 min
